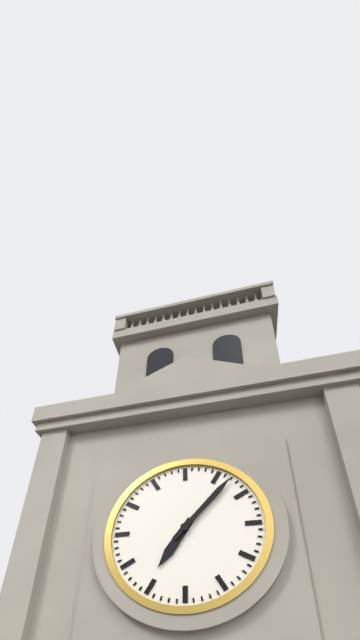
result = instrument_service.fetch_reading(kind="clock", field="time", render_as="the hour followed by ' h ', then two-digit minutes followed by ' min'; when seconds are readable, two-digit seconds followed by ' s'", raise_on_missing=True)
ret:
7 h 07 min
